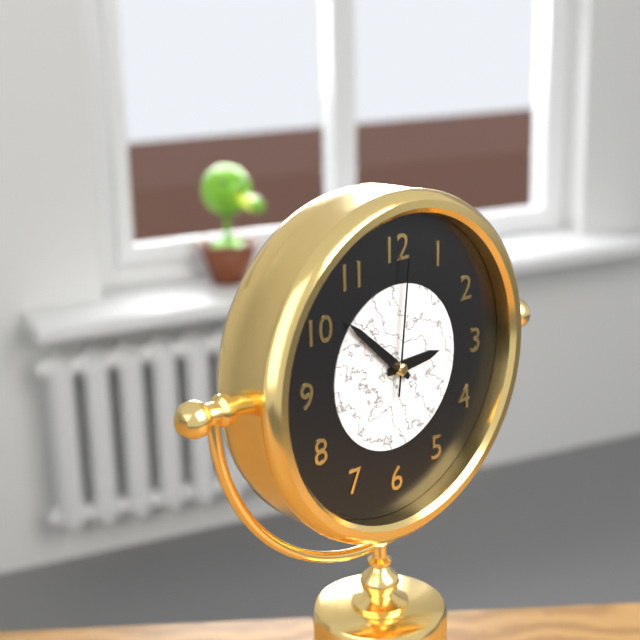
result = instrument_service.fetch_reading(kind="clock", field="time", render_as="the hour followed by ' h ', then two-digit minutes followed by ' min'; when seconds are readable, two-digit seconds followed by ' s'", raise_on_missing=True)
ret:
2 h 52 min 01 s
